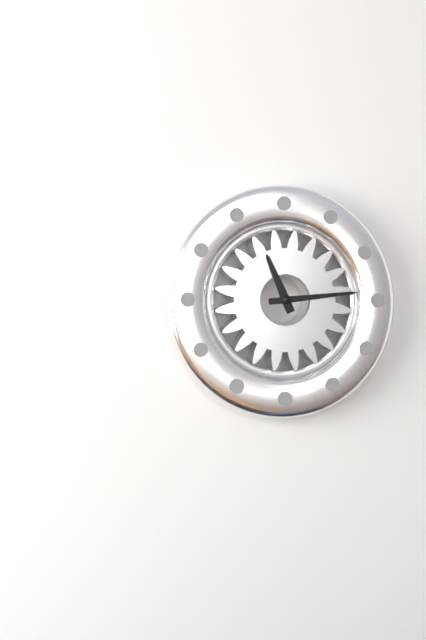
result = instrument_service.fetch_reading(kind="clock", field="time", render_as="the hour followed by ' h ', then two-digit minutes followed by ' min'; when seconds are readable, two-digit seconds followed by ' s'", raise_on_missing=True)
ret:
11 h 14 min
